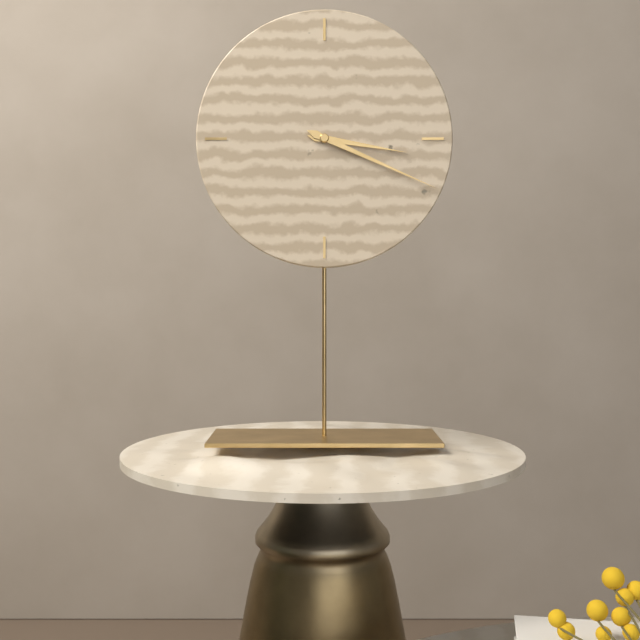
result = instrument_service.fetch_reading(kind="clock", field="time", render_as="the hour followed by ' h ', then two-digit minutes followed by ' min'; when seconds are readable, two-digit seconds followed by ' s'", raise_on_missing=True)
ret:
3 h 19 min
